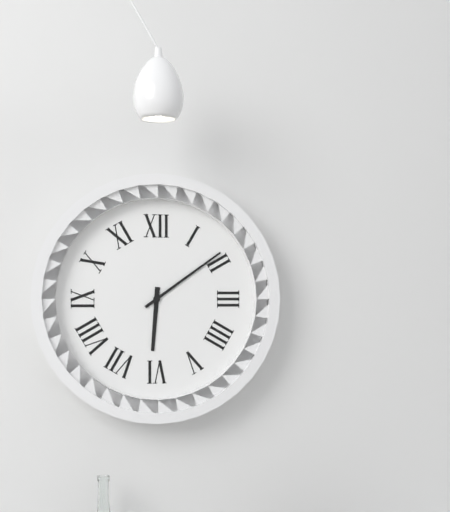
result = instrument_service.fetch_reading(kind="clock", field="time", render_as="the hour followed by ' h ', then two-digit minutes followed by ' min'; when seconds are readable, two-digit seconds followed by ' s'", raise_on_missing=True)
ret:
6 h 09 min
